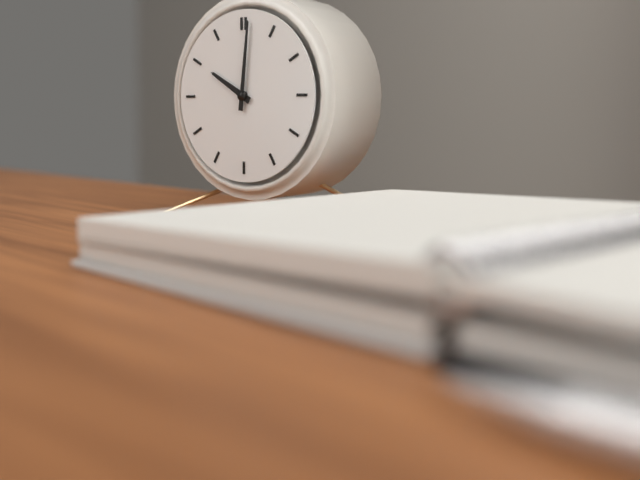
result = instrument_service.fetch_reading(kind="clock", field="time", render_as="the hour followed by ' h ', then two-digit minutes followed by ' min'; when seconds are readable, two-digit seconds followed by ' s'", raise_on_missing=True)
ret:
10 h 01 min
